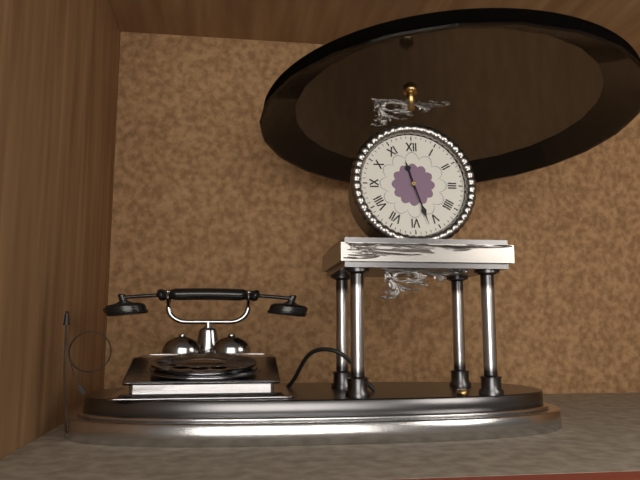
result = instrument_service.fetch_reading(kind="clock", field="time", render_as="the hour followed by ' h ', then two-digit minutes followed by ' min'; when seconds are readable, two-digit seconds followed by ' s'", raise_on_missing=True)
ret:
11 h 27 min
